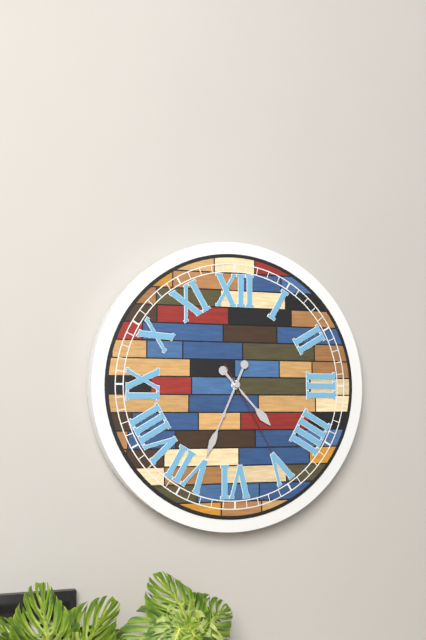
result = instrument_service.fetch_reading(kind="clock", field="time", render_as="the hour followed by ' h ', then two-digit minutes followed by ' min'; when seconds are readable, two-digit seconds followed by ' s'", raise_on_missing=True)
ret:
4 h 34 min 25 s
